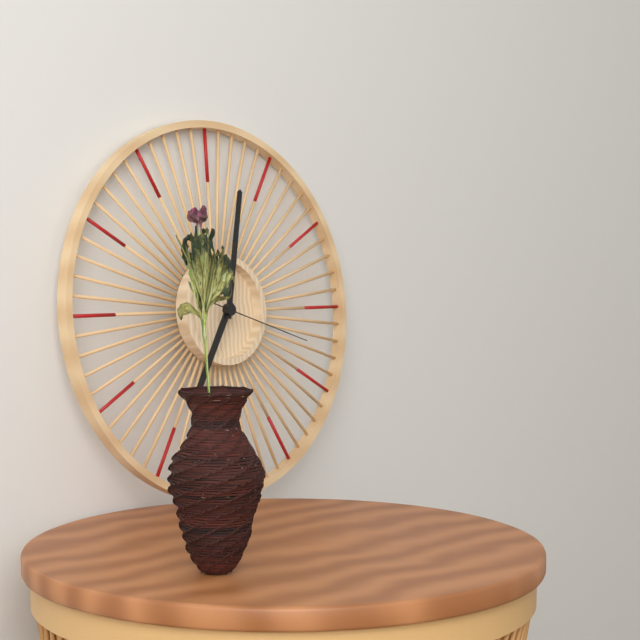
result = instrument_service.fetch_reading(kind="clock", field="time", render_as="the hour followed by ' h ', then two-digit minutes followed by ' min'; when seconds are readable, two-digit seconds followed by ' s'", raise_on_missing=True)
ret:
7 h 02 min 18 s
